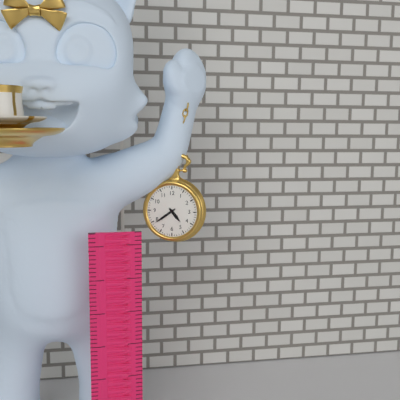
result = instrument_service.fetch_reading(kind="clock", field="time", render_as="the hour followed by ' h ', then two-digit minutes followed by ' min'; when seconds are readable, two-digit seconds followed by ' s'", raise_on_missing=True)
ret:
4 h 39 min
